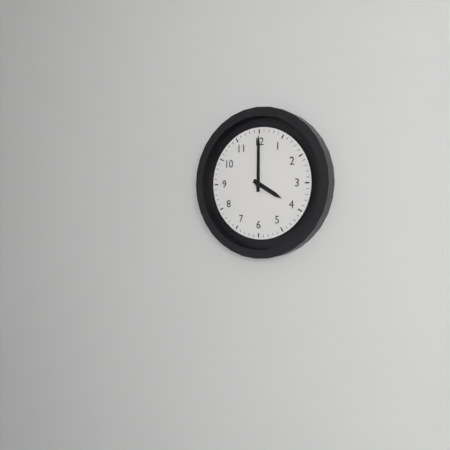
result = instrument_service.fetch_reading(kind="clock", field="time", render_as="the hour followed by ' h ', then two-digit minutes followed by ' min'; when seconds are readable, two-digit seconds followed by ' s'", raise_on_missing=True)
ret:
4 h 00 min
